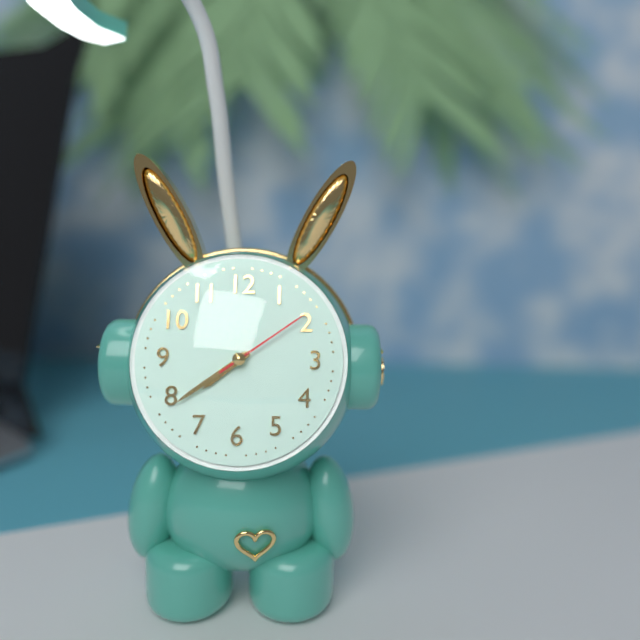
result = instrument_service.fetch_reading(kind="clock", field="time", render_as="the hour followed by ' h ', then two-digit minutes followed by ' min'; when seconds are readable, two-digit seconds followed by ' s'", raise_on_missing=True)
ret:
7 h 39 min 09 s
